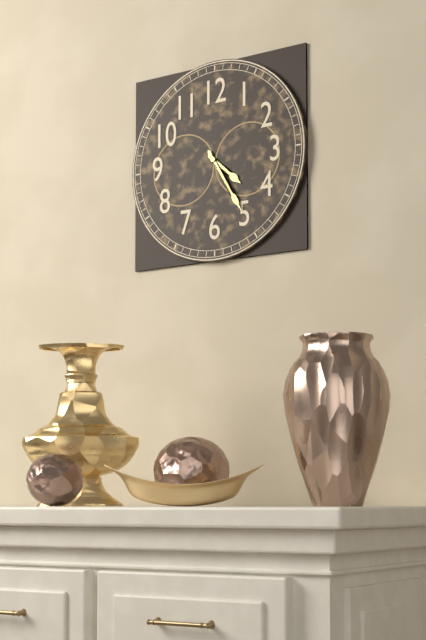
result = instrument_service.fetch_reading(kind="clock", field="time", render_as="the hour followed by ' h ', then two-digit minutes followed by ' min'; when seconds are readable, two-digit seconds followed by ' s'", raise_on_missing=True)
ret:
4 h 25 min
